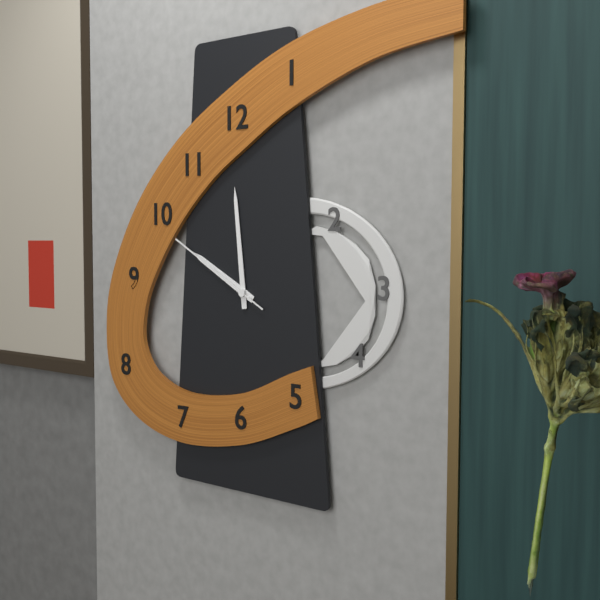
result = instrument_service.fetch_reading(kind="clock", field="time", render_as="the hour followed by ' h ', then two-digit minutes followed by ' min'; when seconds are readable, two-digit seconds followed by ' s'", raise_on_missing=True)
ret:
9 h 59 min 50 s
